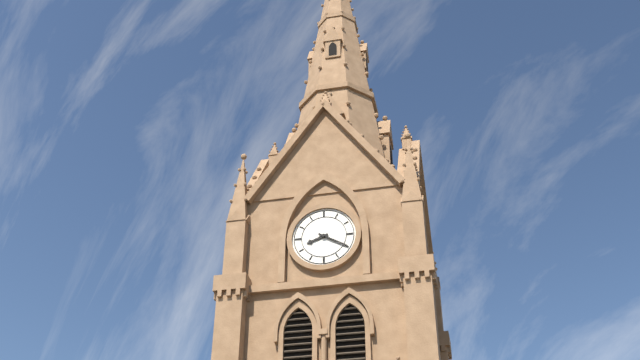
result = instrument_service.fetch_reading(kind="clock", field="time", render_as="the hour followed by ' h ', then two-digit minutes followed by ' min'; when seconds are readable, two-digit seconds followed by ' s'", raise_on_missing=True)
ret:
8 h 20 min
